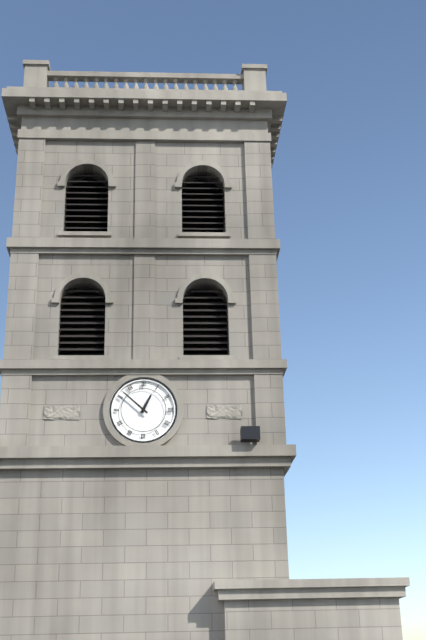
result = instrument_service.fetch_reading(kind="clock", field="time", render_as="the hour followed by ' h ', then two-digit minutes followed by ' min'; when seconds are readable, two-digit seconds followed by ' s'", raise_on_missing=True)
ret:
12 h 52 min
